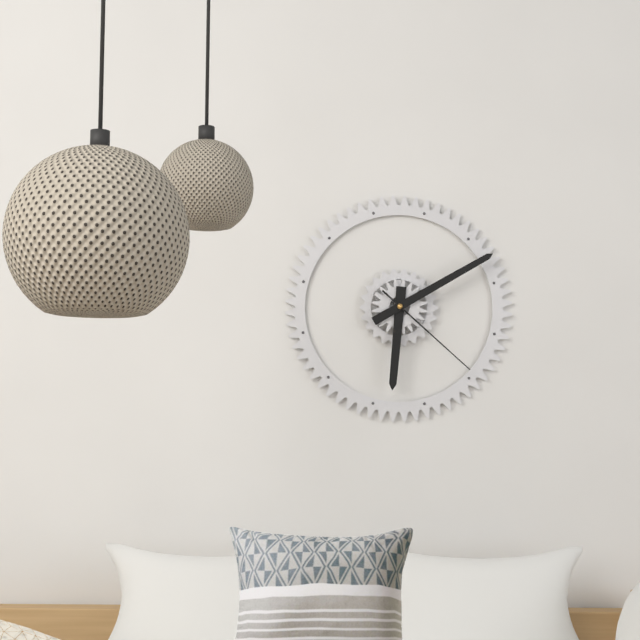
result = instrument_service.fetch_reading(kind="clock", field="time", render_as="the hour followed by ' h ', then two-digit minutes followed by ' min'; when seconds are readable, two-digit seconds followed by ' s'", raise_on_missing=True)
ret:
6 h 10 min 22 s
